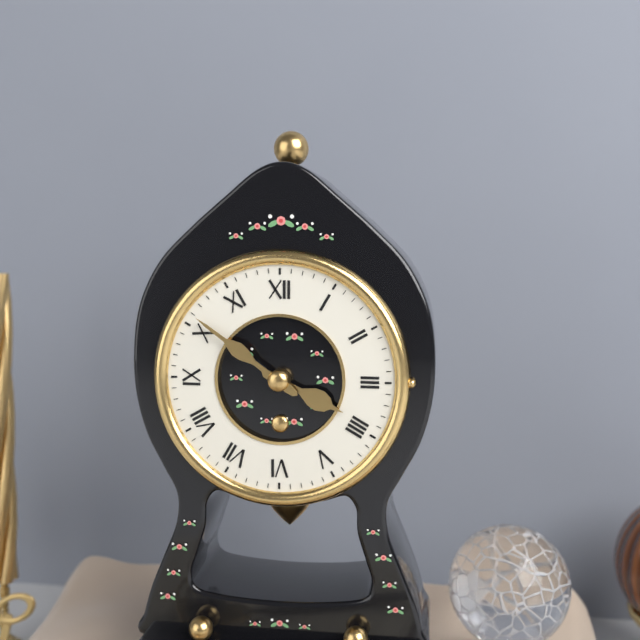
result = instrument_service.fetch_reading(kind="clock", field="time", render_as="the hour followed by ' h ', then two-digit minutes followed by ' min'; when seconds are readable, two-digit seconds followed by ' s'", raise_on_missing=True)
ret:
3 h 51 min
